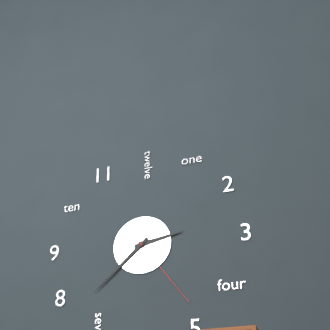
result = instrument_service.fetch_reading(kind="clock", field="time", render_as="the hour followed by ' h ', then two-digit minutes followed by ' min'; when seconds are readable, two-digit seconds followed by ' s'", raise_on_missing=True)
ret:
2 h 38 min 24 s
